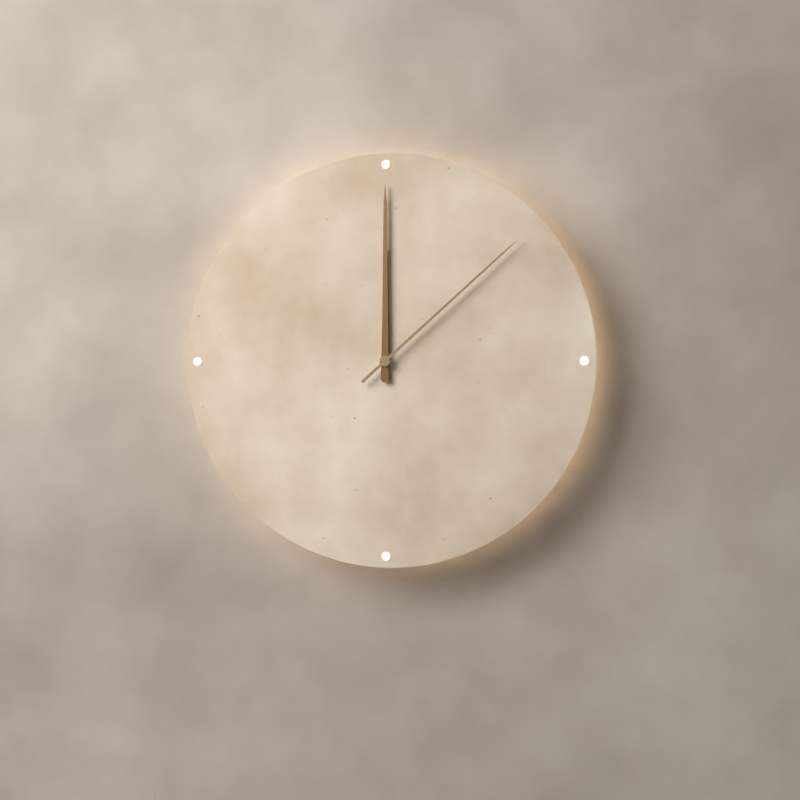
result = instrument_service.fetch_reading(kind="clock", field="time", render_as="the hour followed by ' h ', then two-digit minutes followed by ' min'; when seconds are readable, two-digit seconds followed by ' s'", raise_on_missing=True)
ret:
12 h 00 min 08 s
